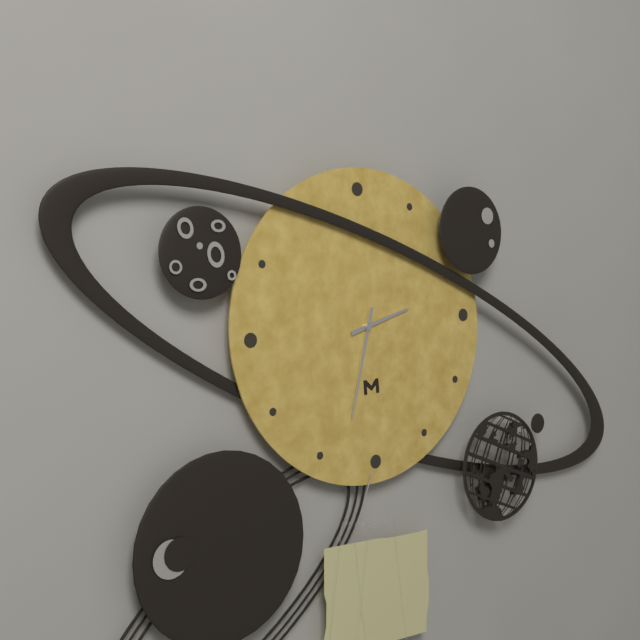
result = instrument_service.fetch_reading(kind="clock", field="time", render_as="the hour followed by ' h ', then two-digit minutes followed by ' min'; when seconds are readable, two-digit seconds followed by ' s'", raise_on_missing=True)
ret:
2 h 33 min
